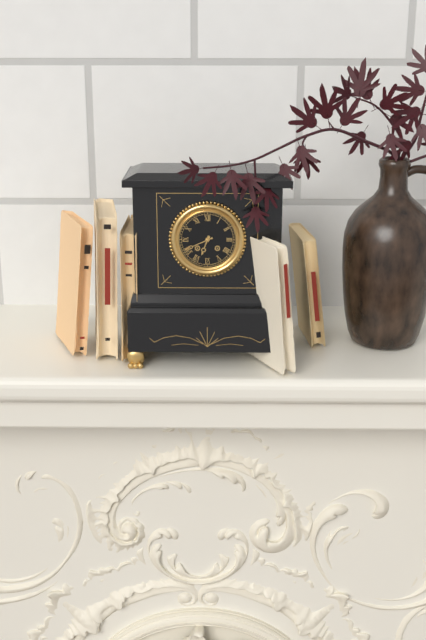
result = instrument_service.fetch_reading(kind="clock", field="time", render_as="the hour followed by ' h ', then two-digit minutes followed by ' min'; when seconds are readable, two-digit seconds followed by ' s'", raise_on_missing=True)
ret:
6 h 41 min
